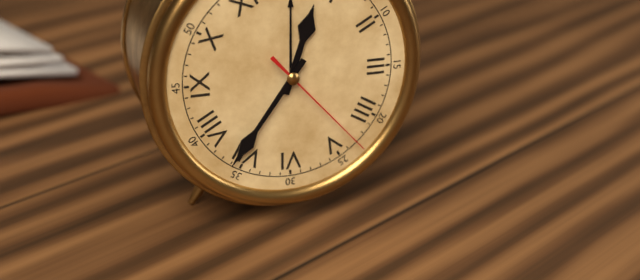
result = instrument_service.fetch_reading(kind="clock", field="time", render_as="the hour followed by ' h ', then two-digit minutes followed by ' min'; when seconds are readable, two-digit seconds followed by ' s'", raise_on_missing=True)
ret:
12 h 36 min 23 s
